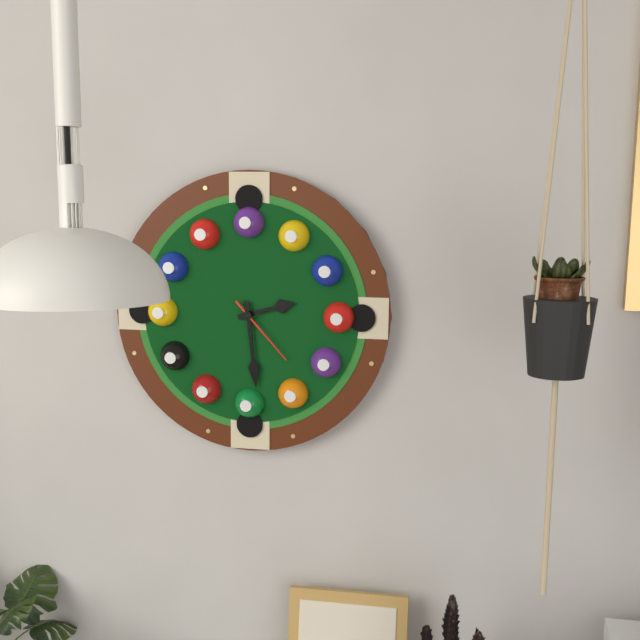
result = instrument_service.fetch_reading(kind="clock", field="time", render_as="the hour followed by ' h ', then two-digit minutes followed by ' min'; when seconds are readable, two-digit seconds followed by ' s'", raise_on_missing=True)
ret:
2 h 29 min 23 s
